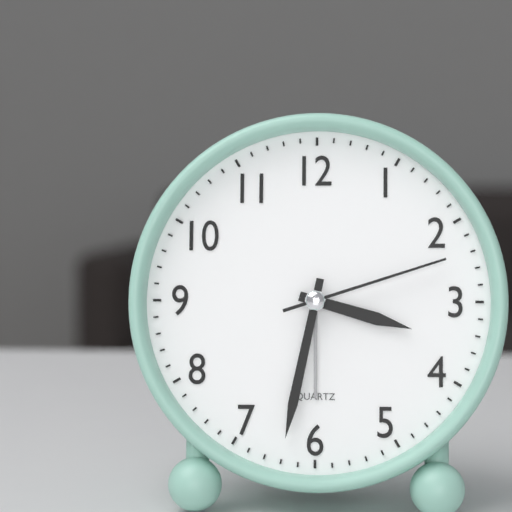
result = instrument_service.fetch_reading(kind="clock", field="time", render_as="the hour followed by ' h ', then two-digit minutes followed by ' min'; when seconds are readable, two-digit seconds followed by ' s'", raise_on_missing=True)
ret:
3 h 32 min 12 s
